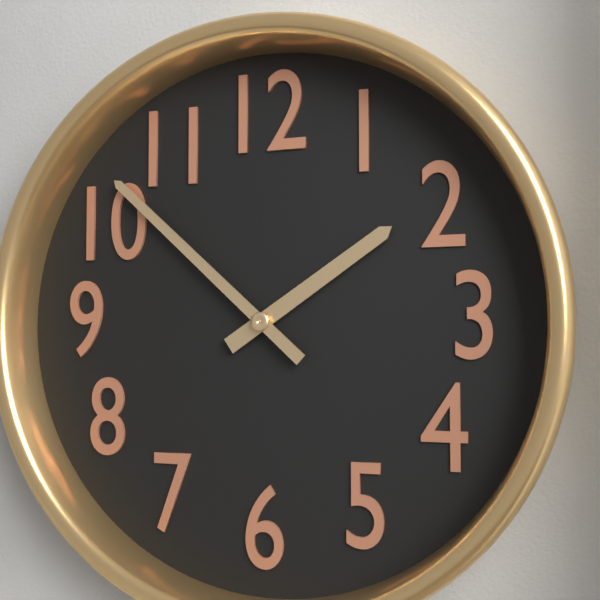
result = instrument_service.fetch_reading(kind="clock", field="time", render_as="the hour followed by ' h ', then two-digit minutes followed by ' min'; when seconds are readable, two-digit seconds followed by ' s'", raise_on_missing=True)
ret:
1 h 52 min
